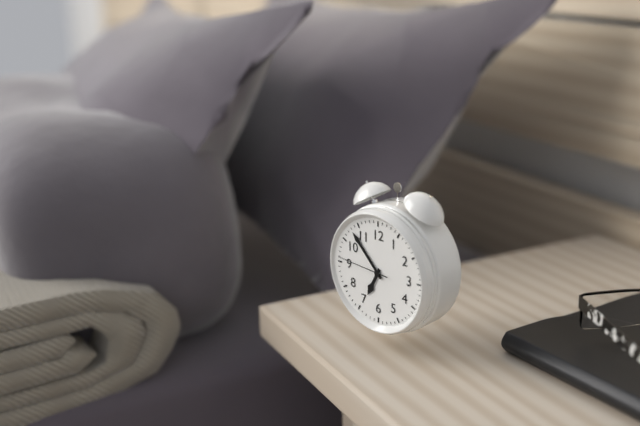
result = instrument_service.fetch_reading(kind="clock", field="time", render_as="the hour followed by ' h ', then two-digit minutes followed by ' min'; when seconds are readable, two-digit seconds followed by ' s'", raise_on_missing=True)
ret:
6 h 53 min 46 s
